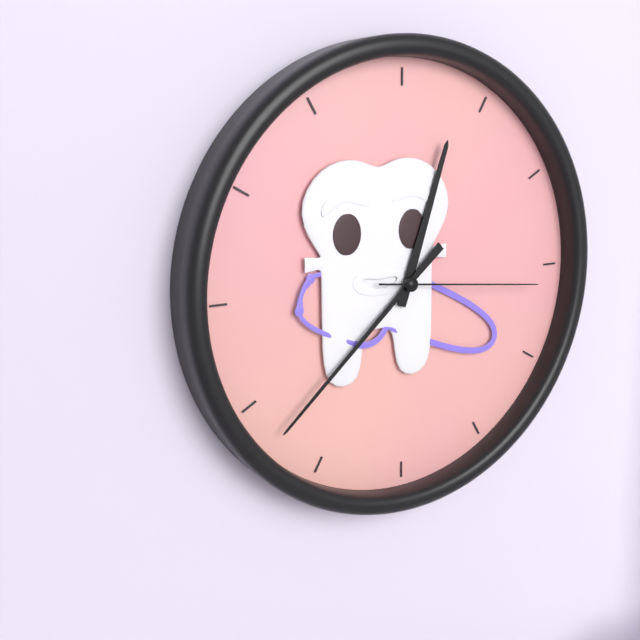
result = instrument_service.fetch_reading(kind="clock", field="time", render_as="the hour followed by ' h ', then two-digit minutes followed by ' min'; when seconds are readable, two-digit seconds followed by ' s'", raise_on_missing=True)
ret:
12 h 38 min 16 s
